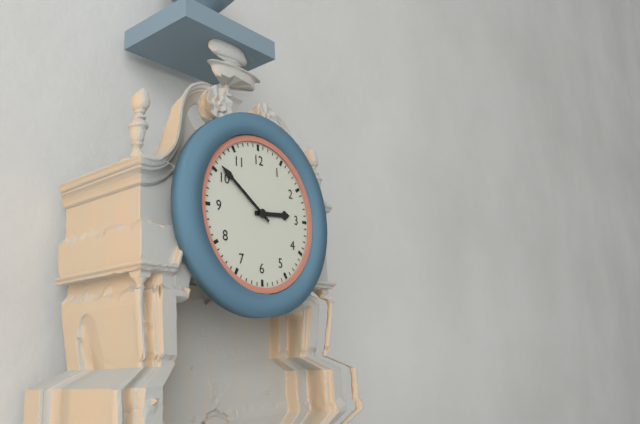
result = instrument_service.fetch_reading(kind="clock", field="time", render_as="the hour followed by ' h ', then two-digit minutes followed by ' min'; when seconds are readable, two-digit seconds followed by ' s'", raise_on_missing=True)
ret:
2 h 51 min
